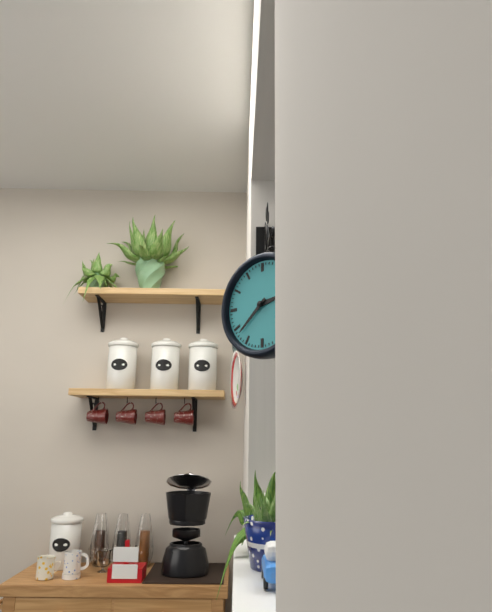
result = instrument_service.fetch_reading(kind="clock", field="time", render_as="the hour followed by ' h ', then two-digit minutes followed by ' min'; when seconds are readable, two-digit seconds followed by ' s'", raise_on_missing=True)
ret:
2 h 38 min
